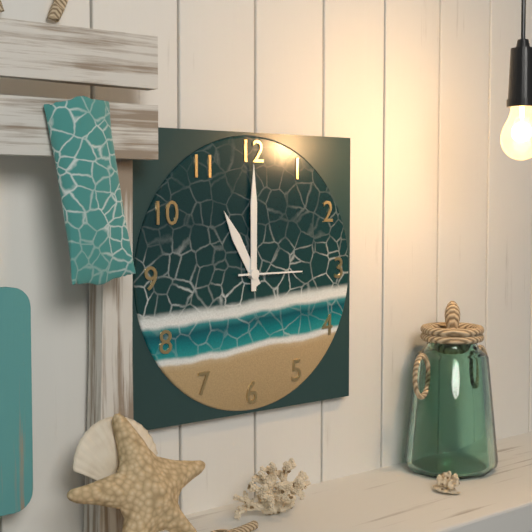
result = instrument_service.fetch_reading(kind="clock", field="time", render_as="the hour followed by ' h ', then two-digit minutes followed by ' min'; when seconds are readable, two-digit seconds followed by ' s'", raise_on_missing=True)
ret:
11 h 00 min 15 s
